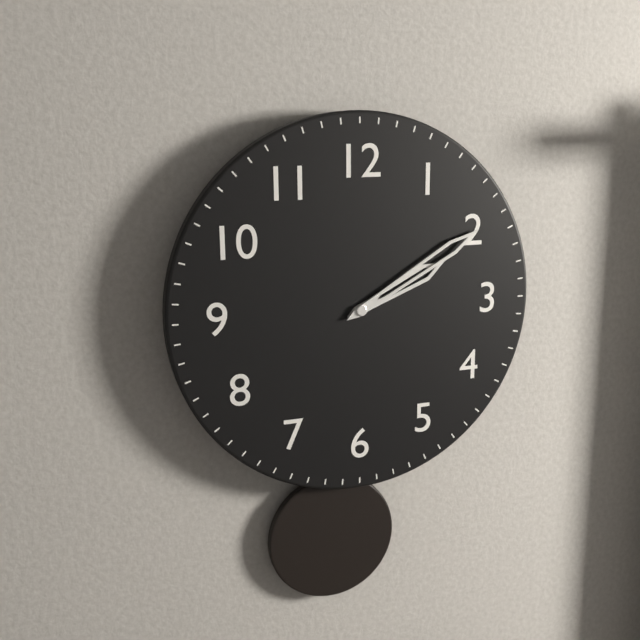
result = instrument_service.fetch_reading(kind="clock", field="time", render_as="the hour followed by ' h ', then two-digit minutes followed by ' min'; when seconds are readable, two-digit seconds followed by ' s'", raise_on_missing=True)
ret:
2 h 10 min
